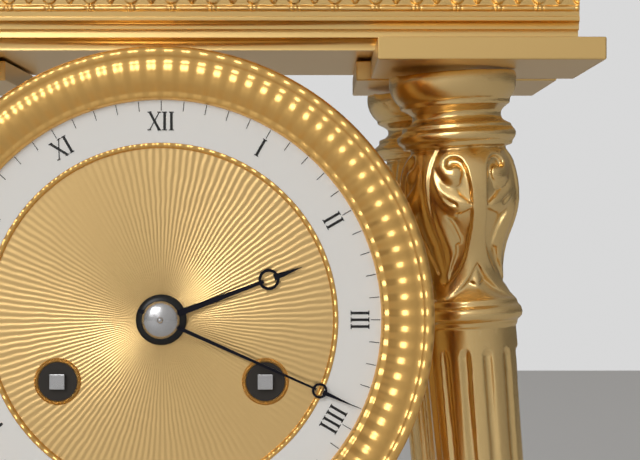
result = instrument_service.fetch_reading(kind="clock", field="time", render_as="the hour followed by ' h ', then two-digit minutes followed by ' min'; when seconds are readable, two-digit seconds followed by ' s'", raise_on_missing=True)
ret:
2 h 19 min
